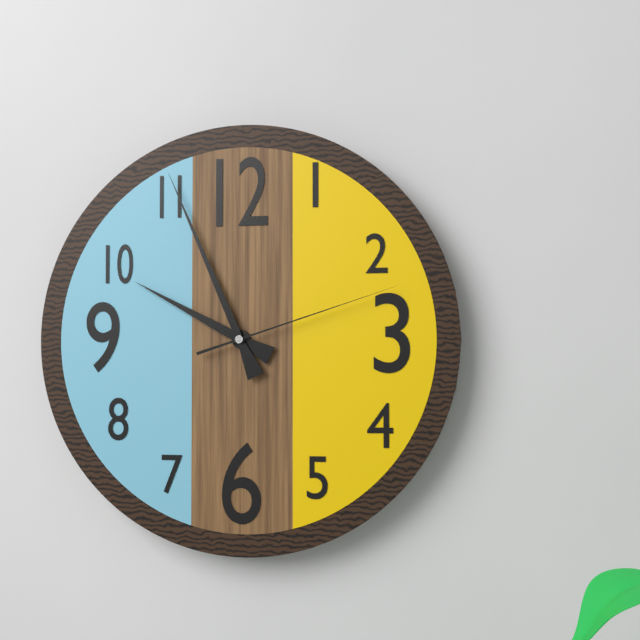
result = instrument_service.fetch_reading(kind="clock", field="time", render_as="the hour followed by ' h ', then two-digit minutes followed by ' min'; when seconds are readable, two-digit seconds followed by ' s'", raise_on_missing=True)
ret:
9 h 56 min 12 s
